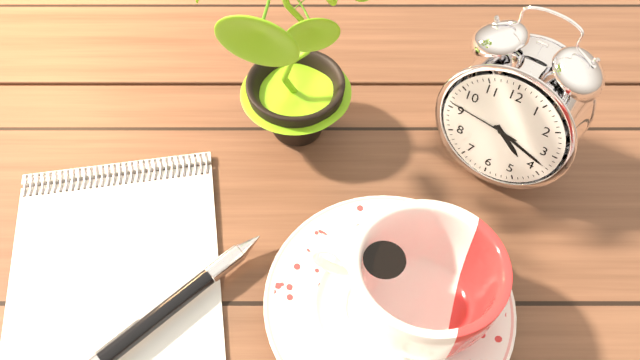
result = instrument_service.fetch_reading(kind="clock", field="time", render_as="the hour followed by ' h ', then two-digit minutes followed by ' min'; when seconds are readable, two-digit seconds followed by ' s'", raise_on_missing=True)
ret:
4 h 18 min 46 s
